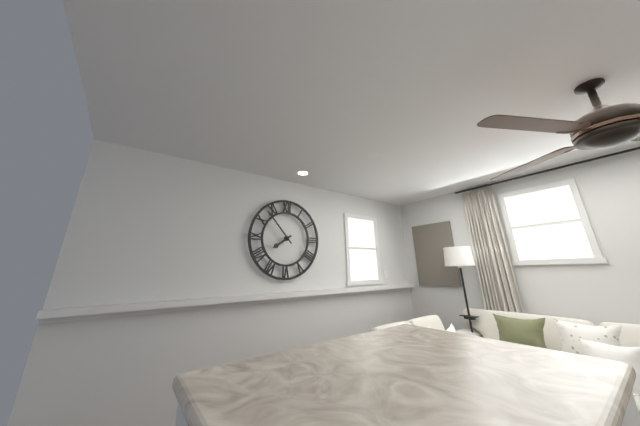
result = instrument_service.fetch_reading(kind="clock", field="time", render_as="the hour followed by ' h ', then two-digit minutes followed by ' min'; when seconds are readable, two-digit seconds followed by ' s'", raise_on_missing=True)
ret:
7 h 53 min
